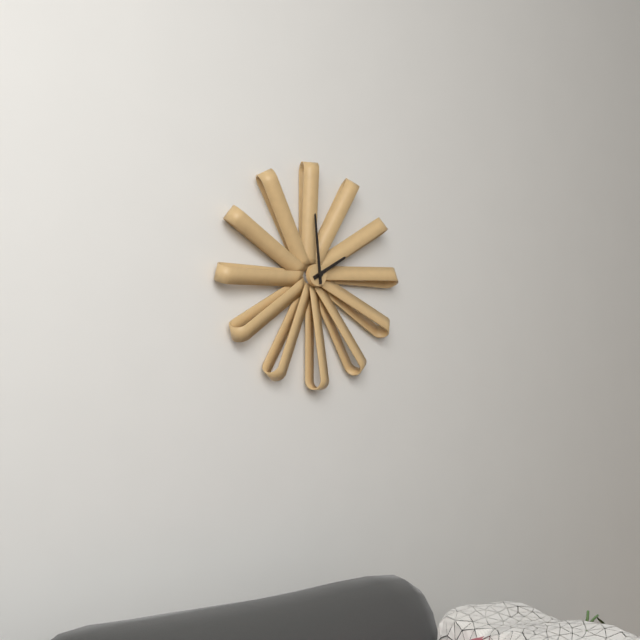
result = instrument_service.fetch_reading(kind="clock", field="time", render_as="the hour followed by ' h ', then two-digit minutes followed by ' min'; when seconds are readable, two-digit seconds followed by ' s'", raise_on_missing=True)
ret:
1 h 59 min
